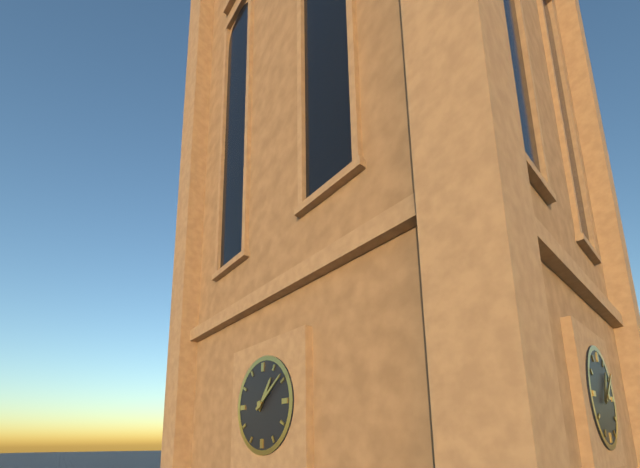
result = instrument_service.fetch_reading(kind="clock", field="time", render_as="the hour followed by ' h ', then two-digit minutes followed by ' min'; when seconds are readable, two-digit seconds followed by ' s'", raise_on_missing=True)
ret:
1 h 09 min
